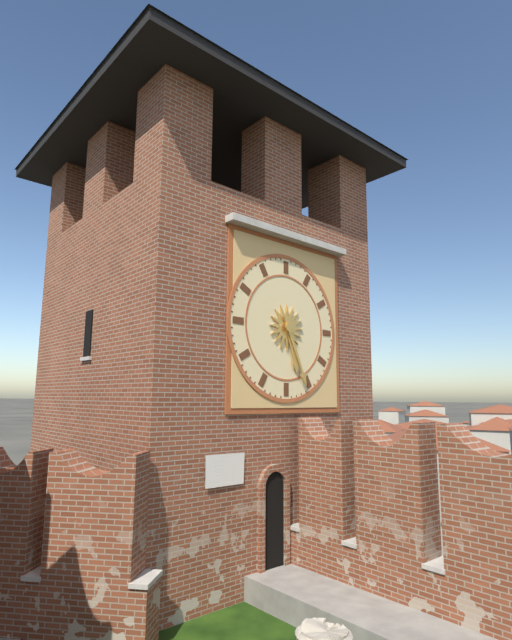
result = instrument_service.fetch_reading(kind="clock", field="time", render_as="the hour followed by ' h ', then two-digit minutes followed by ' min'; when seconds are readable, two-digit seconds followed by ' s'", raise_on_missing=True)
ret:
5 h 26 min
